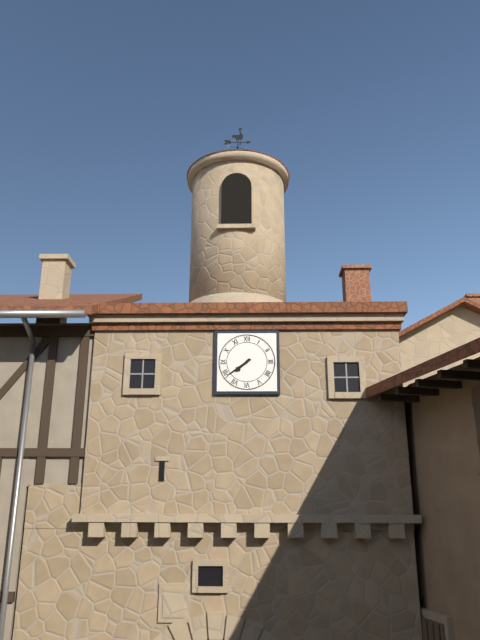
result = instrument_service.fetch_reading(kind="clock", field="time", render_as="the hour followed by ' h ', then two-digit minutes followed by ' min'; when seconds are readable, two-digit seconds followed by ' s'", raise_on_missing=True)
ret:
7 h 39 min
